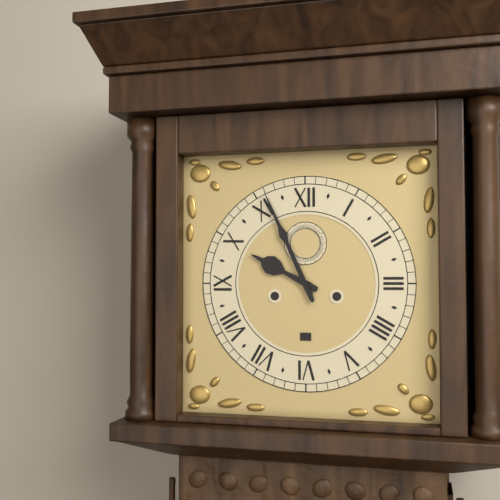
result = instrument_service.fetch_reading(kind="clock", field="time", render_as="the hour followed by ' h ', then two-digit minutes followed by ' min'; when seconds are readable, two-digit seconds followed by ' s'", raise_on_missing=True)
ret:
9 h 56 min
